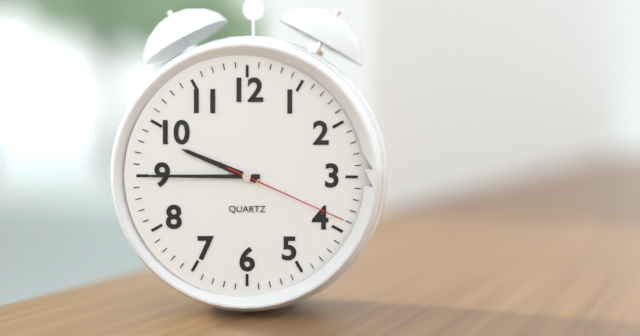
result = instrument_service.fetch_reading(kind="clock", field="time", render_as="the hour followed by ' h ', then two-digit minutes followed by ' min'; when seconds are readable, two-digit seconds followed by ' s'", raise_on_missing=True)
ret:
9 h 45 min 19 s
